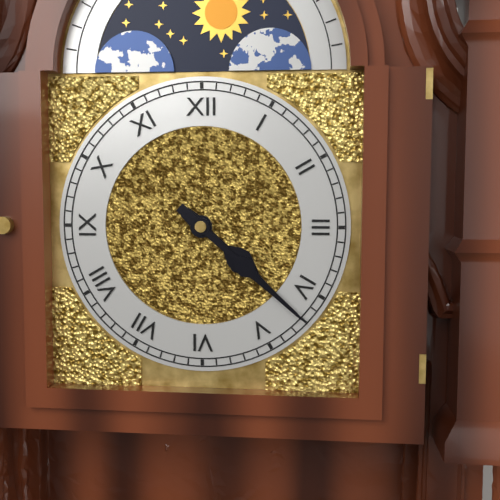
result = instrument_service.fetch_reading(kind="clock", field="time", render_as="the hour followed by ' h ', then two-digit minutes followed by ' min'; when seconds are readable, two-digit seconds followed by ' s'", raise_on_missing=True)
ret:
4 h 22 min
